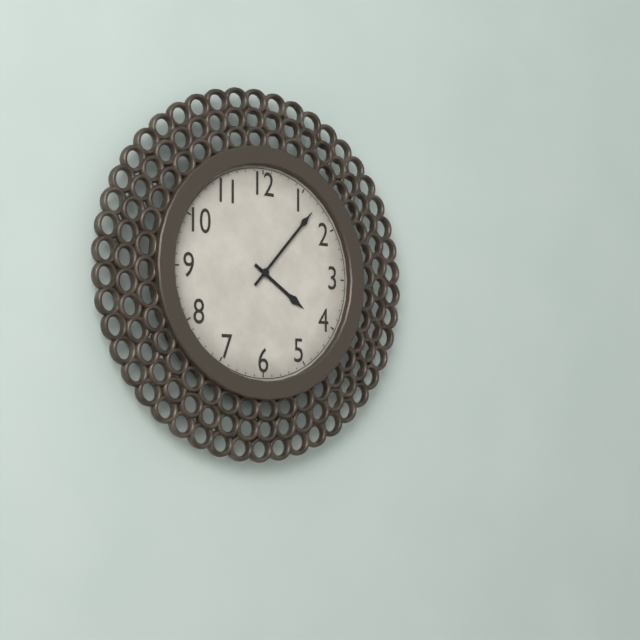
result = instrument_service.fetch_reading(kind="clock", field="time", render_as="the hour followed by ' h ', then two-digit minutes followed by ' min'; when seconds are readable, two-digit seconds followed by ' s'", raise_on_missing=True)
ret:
4 h 07 min
